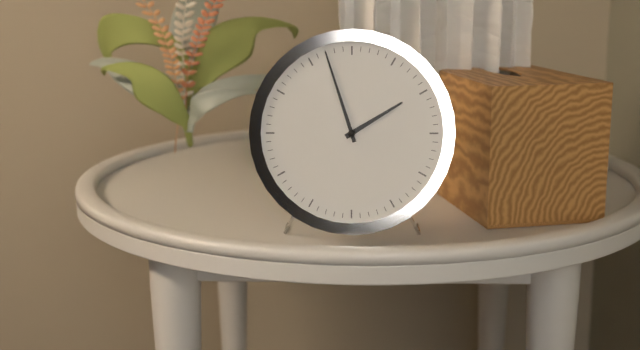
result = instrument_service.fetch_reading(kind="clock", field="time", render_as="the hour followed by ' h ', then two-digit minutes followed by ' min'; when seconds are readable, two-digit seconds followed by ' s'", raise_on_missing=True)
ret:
1 h 57 min
